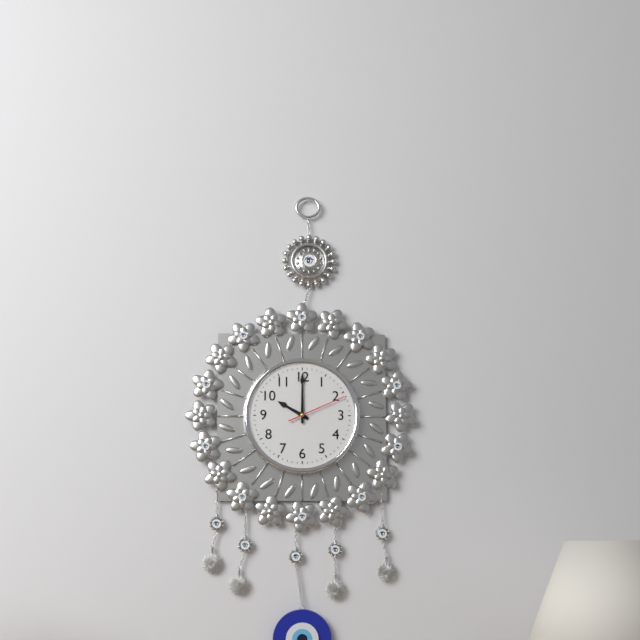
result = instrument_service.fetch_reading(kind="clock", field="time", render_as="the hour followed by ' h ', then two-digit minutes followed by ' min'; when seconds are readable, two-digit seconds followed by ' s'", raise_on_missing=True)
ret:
10 h 00 min 11 s
